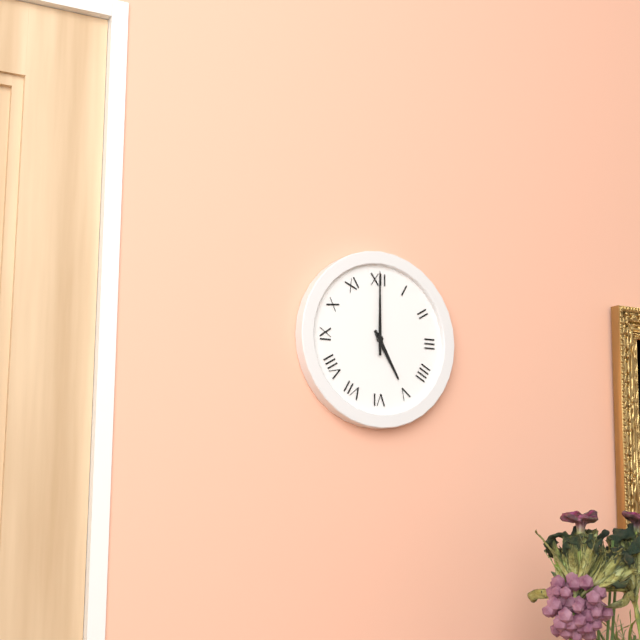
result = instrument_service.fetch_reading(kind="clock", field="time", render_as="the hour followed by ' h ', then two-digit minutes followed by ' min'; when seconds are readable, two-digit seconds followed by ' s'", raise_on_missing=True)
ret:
5 h 00 min
